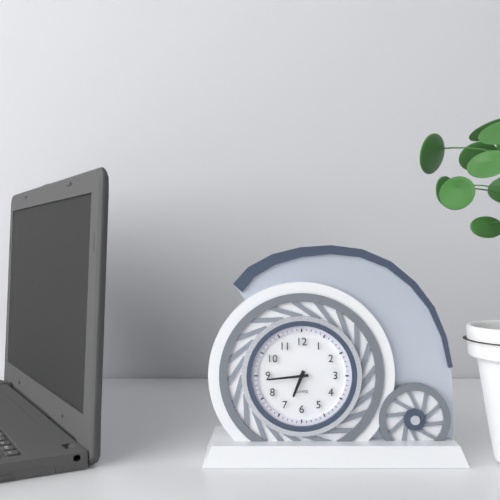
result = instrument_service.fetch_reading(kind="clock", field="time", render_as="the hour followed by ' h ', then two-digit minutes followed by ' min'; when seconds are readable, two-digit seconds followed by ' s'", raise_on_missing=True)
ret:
6 h 44 min
